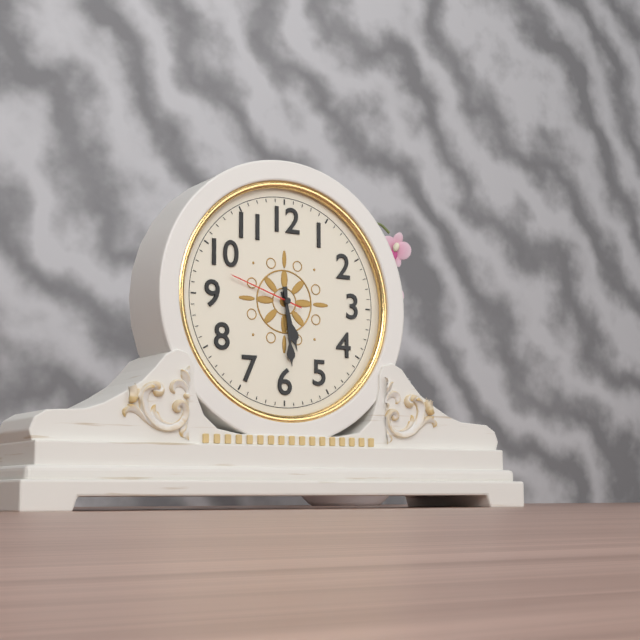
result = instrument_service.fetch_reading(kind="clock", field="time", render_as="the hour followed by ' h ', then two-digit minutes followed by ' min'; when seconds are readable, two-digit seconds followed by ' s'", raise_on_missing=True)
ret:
5 h 29 min 48 s
